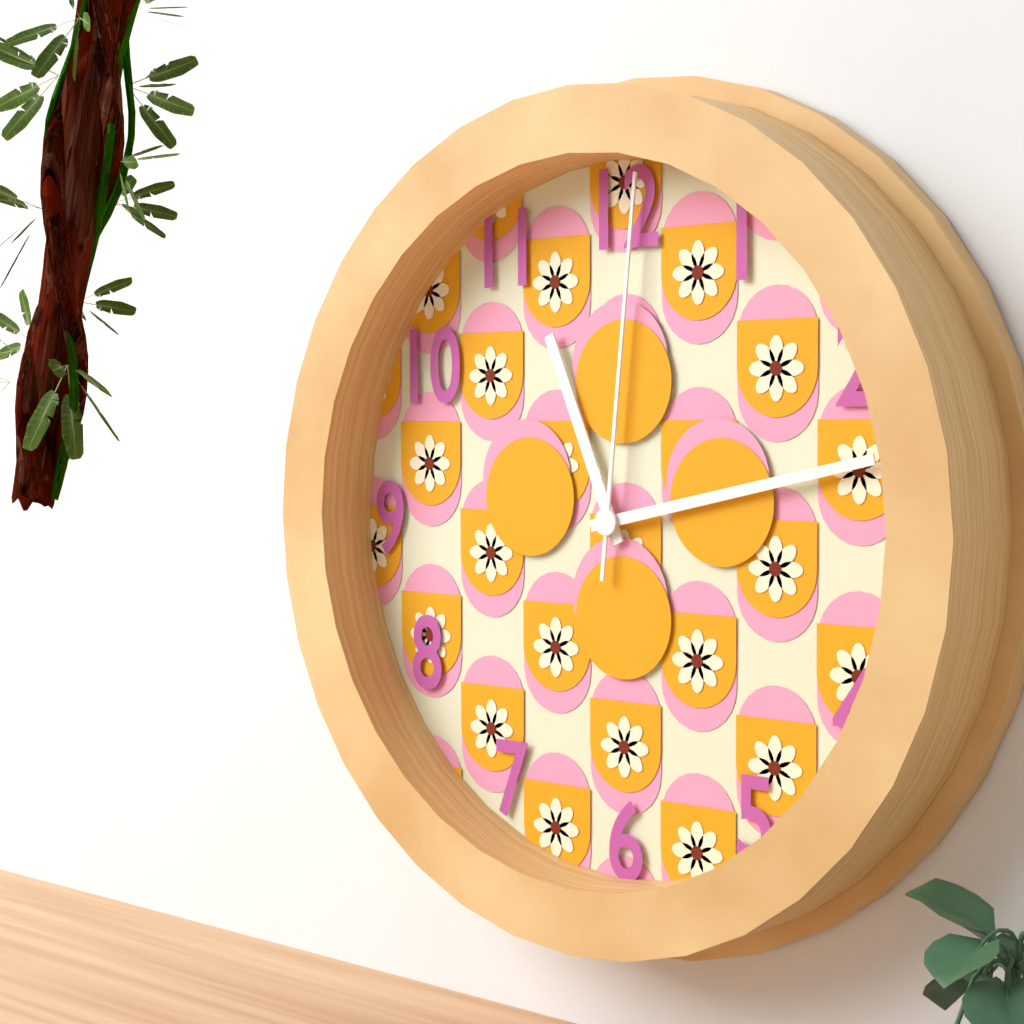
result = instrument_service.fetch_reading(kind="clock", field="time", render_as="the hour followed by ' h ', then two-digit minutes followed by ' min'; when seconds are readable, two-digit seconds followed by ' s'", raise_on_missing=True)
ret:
11 h 13 min 01 s
